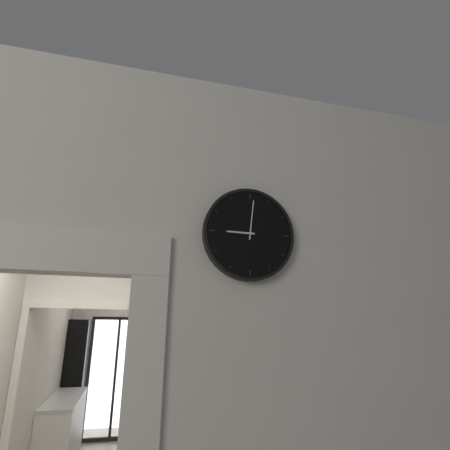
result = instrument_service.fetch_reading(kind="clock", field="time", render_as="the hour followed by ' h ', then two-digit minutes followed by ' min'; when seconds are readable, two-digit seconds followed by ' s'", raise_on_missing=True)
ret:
9 h 01 min
